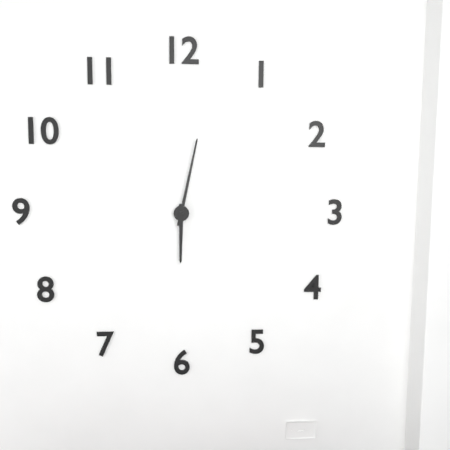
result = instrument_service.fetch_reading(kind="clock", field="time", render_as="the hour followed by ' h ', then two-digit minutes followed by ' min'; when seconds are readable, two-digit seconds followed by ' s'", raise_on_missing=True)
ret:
6 h 02 min
